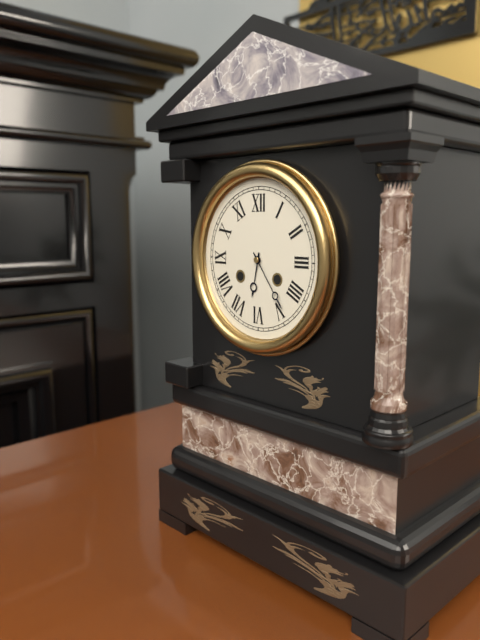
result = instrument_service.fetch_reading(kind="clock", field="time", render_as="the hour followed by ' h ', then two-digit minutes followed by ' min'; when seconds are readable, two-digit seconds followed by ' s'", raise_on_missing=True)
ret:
6 h 24 min
